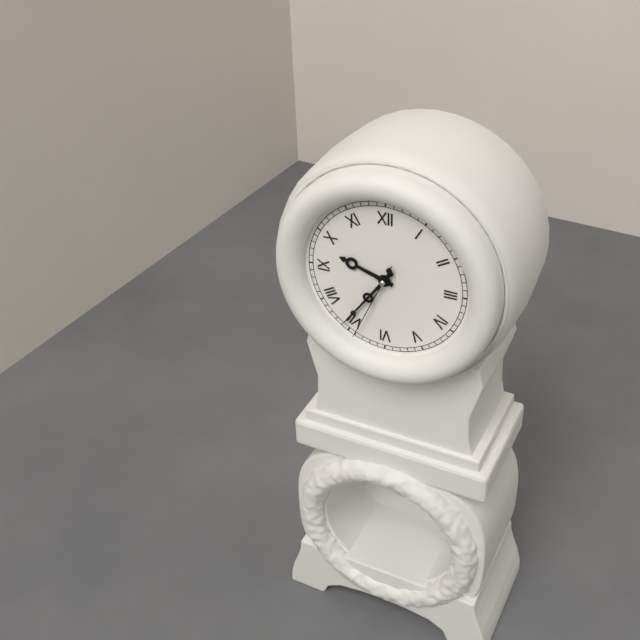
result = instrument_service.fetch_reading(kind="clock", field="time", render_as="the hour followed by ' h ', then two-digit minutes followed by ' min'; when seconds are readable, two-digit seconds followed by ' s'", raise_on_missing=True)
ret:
9 h 36 min 34 s
